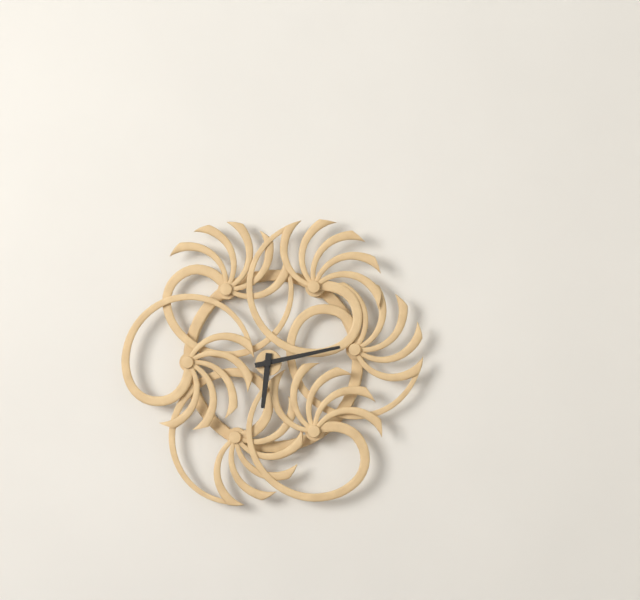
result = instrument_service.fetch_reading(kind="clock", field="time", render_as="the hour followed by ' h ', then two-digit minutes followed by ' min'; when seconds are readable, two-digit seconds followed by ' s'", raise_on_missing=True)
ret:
6 h 13 min
